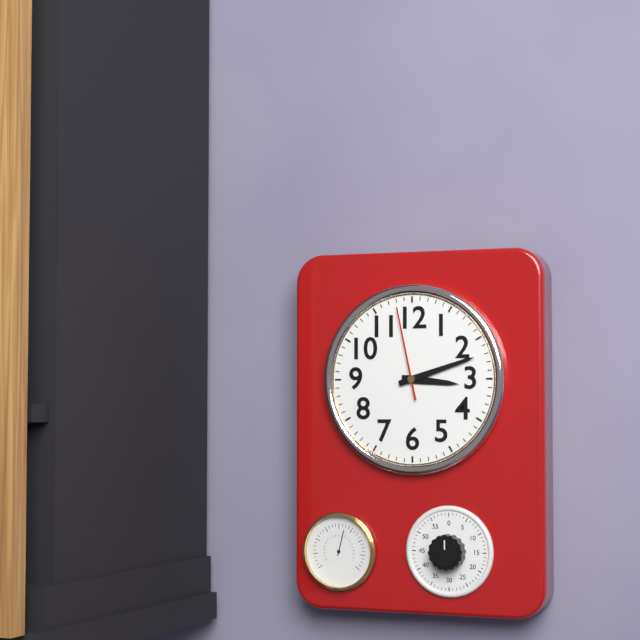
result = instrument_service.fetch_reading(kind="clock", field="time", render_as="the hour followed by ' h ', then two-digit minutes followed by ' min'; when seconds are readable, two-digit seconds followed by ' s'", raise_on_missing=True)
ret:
3 h 12 min 58 s
